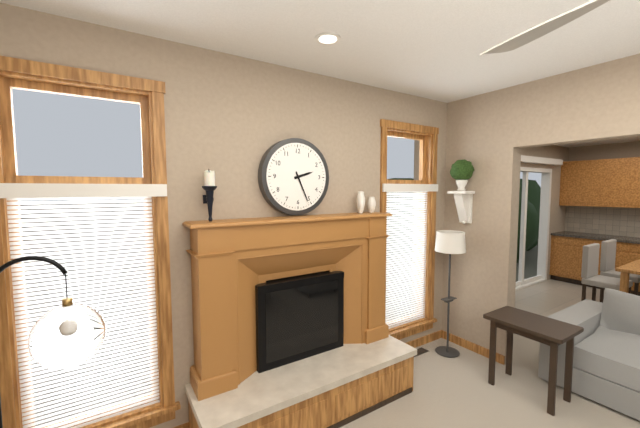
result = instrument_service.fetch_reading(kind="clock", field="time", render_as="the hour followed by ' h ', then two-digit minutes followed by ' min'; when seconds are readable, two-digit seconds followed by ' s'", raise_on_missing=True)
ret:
2 h 26 min
